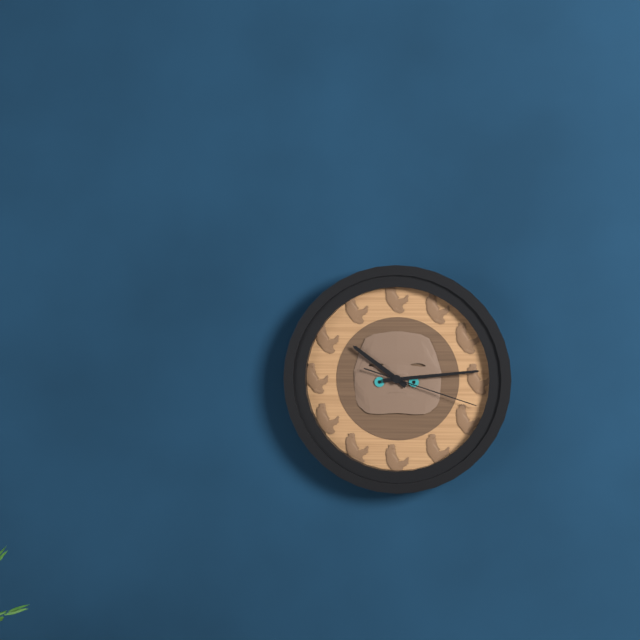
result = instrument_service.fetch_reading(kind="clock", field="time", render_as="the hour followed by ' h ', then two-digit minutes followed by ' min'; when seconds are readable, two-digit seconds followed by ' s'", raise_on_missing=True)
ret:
10 h 14 min 18 s
